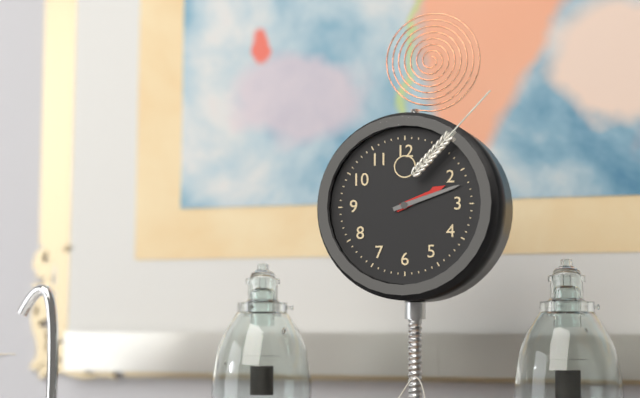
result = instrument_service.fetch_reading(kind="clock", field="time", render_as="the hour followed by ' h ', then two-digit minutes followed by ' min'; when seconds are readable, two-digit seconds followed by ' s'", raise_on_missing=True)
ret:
2 h 12 min
